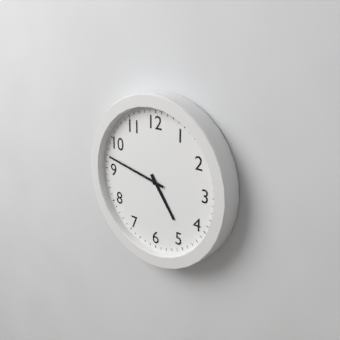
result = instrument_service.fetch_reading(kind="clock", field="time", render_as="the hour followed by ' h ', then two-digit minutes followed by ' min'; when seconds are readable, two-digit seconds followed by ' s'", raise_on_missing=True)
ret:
4 h 47 min
